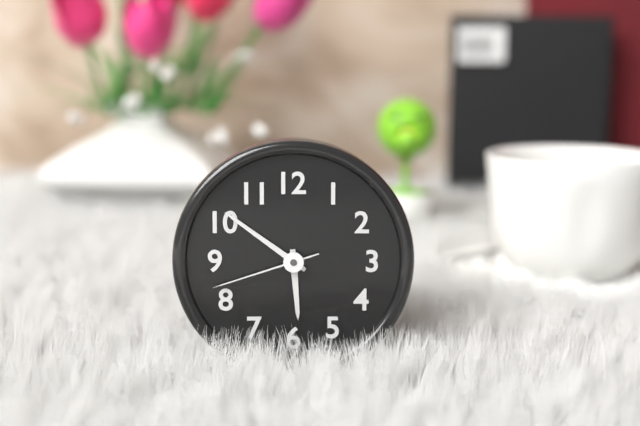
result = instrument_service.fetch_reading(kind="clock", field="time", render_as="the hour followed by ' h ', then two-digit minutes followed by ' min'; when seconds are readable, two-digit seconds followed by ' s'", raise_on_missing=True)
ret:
5 h 51 min 42 s
